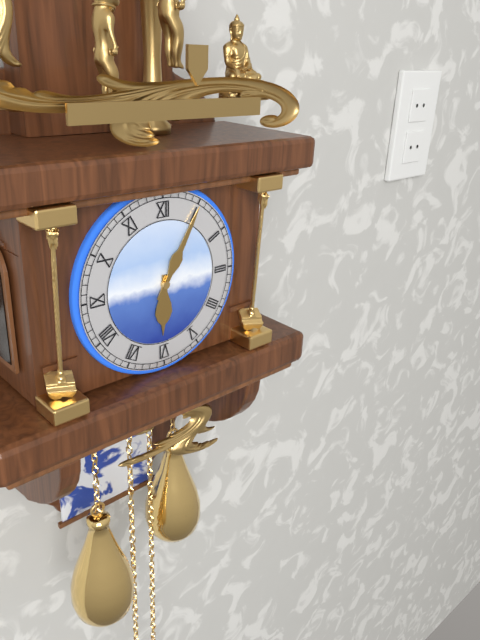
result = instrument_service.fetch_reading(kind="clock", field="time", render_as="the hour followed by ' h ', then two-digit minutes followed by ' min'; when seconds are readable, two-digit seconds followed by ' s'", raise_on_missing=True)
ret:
6 h 05 min
